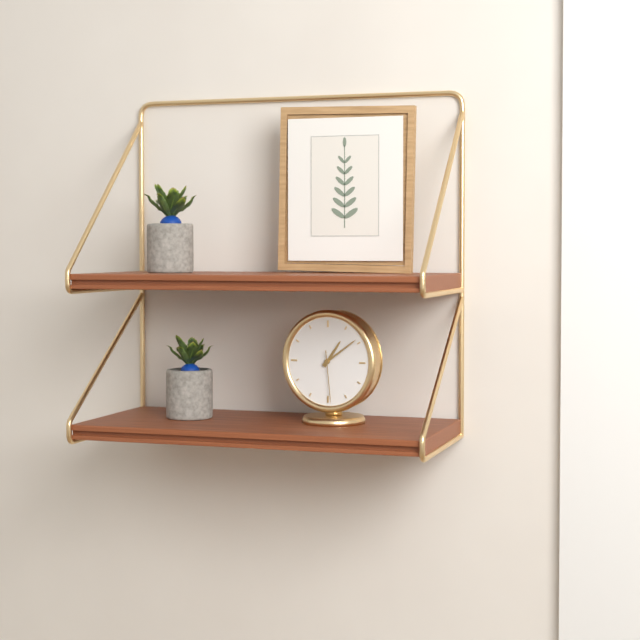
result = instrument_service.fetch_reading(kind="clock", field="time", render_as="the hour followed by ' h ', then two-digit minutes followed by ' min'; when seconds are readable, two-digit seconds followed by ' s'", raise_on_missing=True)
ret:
1 h 09 min 29 s
